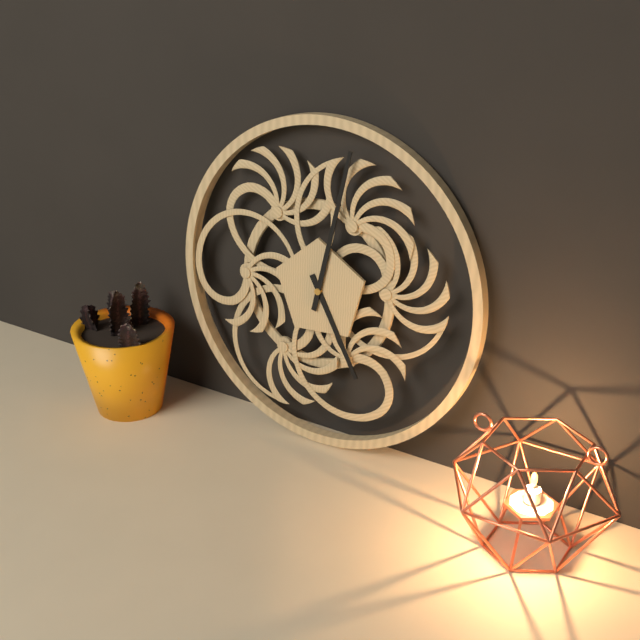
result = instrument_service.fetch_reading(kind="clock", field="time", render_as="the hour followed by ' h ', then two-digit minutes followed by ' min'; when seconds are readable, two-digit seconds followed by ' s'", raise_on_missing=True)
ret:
5 h 02 min
